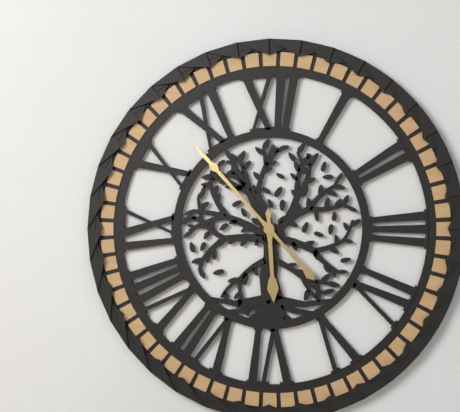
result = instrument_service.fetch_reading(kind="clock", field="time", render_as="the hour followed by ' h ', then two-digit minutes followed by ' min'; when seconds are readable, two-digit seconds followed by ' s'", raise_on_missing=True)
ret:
5 h 53 min
